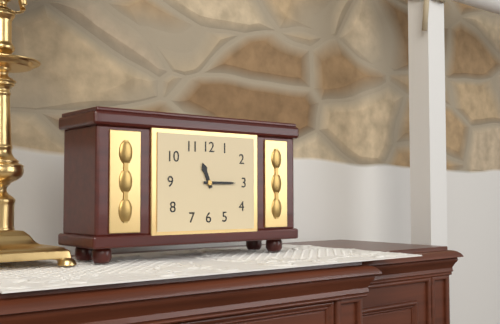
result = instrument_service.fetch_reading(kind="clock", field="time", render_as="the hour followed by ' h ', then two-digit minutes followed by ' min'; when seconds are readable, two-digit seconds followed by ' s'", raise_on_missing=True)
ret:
11 h 15 min
